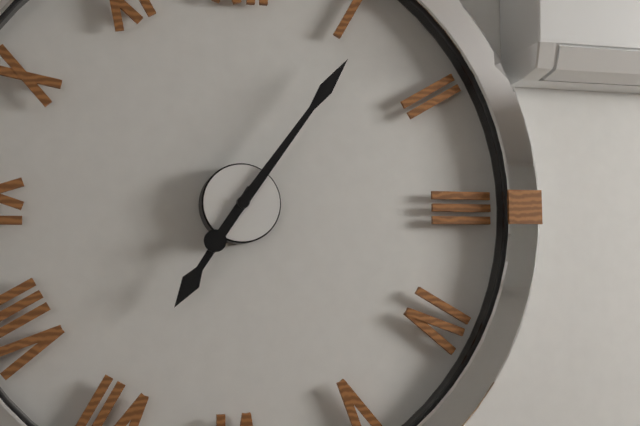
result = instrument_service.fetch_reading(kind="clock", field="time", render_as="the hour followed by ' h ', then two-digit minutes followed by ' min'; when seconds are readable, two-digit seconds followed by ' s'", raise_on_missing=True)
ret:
7 h 06 min
